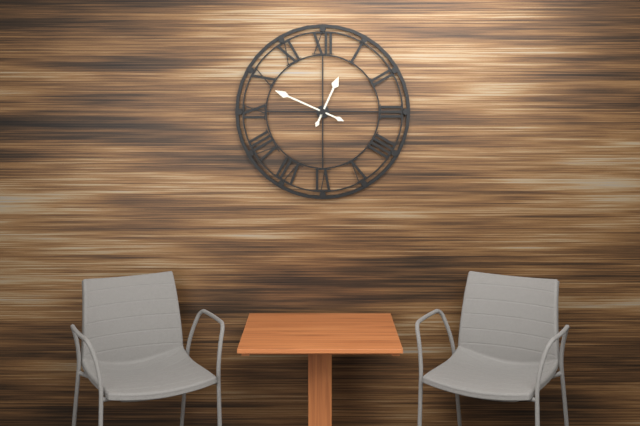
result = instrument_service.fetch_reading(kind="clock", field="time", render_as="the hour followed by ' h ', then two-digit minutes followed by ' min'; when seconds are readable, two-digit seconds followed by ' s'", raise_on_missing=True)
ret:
12 h 49 min
